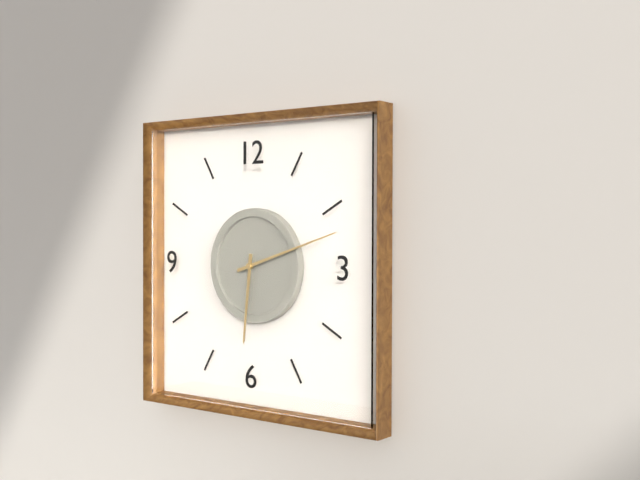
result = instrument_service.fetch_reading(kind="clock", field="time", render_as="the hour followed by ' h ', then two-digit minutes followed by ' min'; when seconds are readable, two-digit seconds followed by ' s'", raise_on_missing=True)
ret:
6 h 12 min
